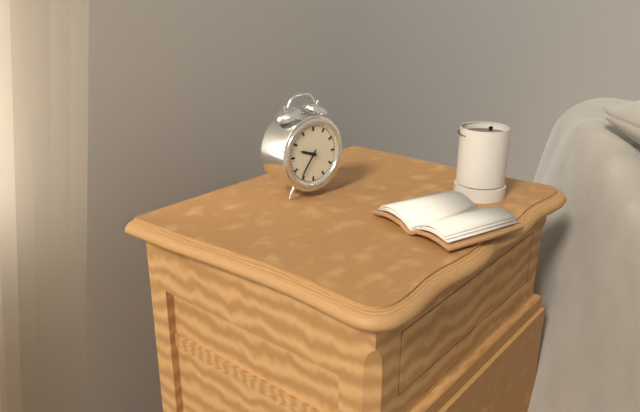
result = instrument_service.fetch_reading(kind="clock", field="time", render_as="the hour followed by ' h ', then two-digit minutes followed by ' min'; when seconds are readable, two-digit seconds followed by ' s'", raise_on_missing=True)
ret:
9 h 36 min
